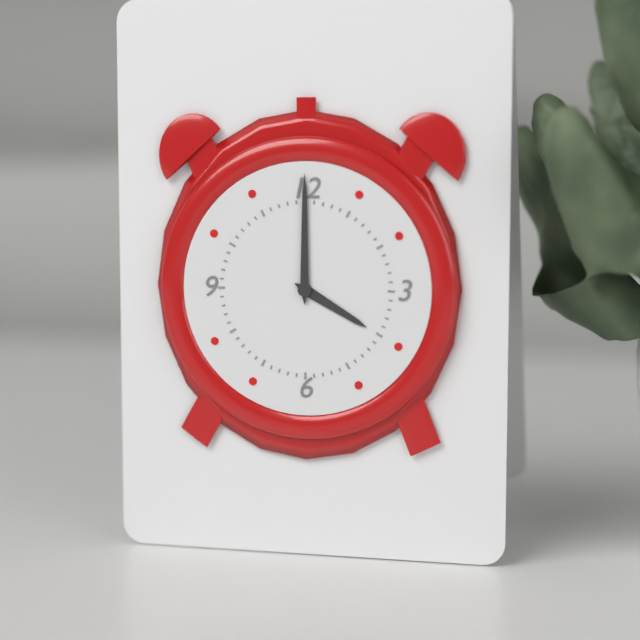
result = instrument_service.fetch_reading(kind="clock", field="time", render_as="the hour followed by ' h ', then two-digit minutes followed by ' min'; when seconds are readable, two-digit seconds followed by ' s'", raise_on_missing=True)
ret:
4 h 00 min
